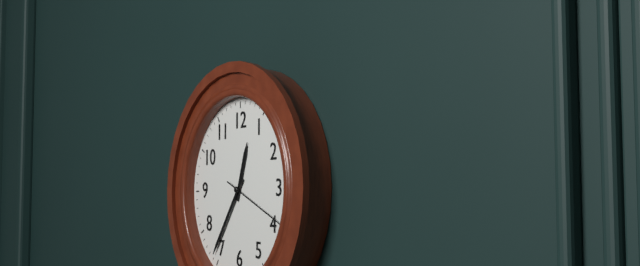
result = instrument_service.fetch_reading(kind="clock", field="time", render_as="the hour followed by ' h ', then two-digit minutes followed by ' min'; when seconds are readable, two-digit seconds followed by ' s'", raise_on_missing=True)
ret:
12 h 36 min 19 s
